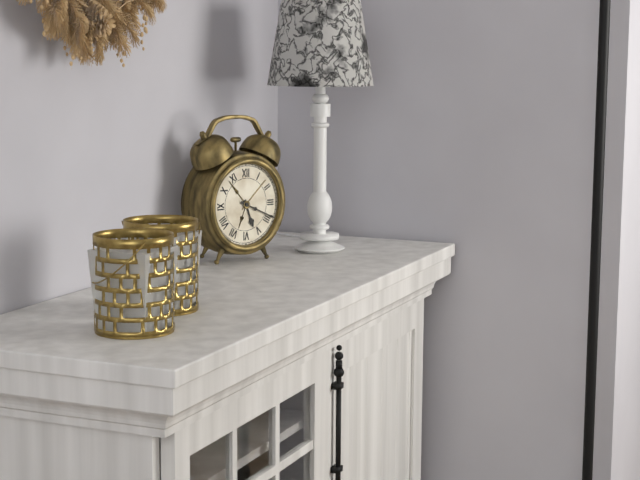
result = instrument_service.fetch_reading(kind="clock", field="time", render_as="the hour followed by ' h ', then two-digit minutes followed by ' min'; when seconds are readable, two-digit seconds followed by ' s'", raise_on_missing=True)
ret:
5 h 19 min
